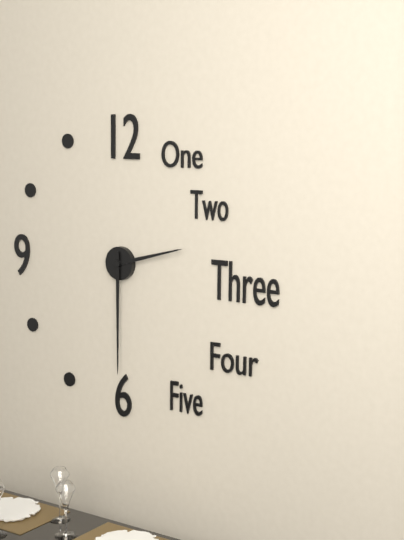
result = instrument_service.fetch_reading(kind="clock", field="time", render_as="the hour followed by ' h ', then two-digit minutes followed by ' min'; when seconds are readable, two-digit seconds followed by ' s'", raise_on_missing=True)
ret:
2 h 30 min
